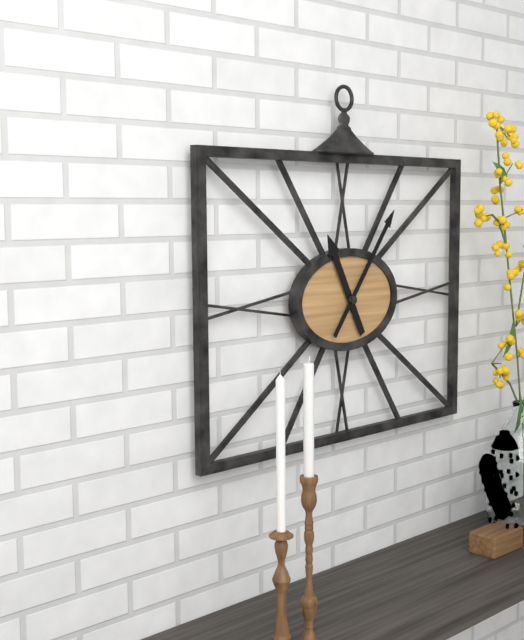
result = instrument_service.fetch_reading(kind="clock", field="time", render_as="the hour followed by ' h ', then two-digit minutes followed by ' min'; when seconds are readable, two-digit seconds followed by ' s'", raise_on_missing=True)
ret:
11 h 06 min
